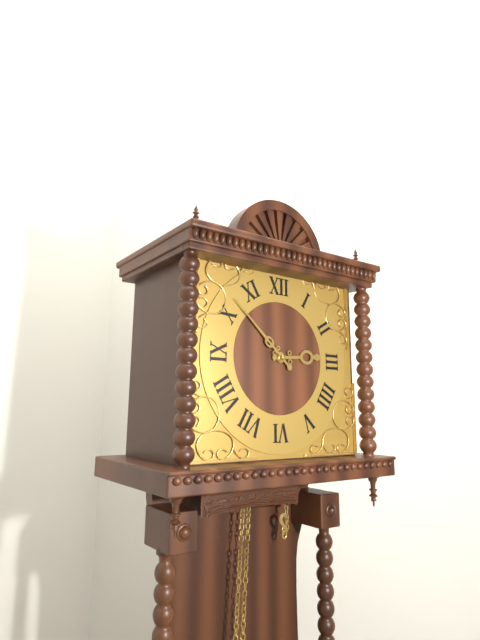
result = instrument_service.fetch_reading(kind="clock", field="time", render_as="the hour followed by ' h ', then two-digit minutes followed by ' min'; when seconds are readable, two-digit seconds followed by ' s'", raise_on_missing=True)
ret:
2 h 52 min
